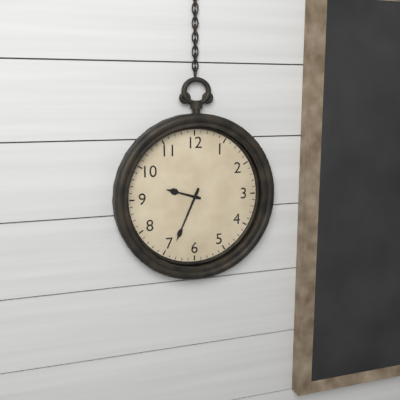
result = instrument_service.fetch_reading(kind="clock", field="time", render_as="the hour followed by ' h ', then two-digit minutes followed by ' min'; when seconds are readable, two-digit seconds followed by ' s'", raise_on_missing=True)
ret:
9 h 34 min
